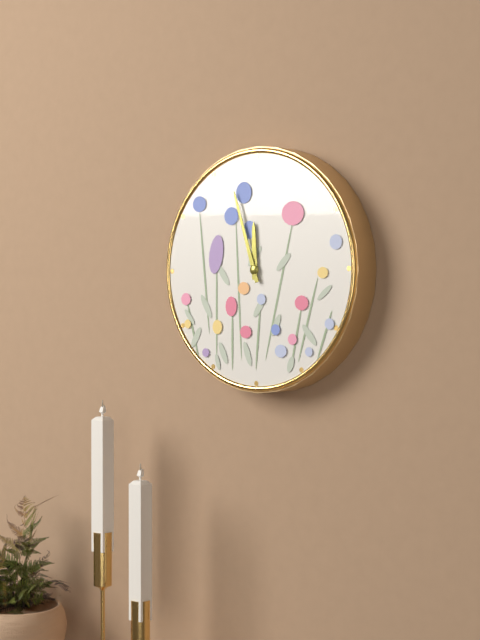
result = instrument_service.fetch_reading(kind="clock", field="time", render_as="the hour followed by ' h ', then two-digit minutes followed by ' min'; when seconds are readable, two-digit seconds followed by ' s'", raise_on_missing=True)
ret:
11 h 57 min
